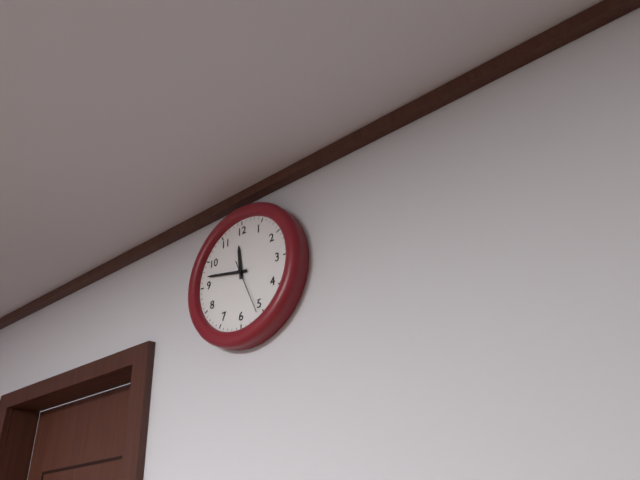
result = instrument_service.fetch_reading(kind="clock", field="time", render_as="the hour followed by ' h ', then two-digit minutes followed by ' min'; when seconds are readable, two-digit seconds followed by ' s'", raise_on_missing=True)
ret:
11 h 47 min 26 s
